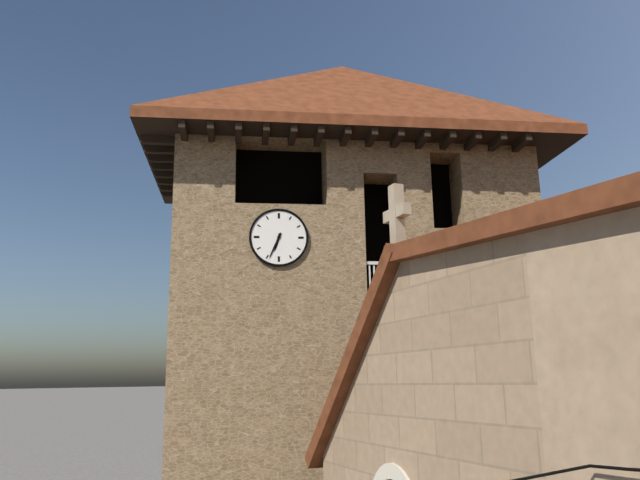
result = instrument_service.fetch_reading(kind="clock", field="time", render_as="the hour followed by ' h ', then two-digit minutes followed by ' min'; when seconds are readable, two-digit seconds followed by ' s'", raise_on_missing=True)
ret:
6 h 34 min
